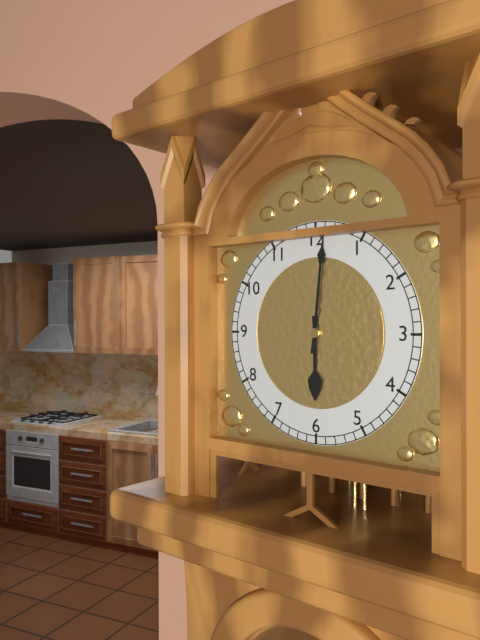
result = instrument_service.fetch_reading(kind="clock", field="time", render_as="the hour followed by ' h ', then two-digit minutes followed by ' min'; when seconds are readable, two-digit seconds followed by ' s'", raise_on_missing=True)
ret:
6 h 01 min
